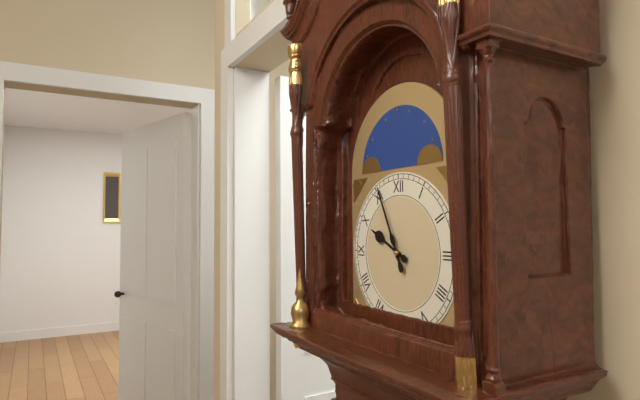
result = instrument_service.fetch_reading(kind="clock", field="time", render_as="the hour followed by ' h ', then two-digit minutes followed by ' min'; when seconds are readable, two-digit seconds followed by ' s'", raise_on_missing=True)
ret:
9 h 56 min
